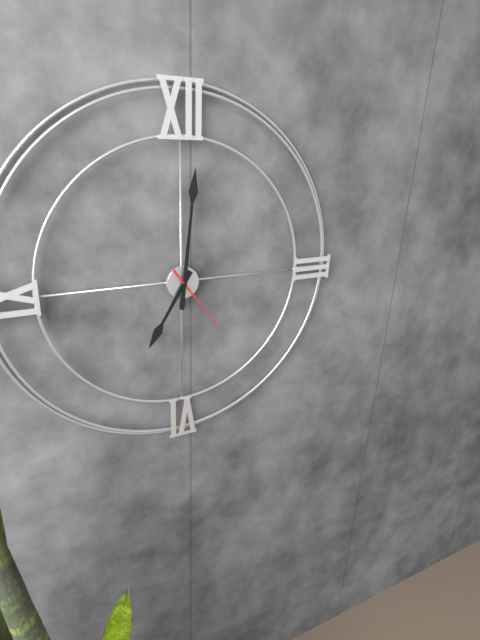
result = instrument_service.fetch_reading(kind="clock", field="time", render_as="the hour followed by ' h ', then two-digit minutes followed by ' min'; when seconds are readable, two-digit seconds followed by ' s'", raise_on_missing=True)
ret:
7 h 01 min 24 s
